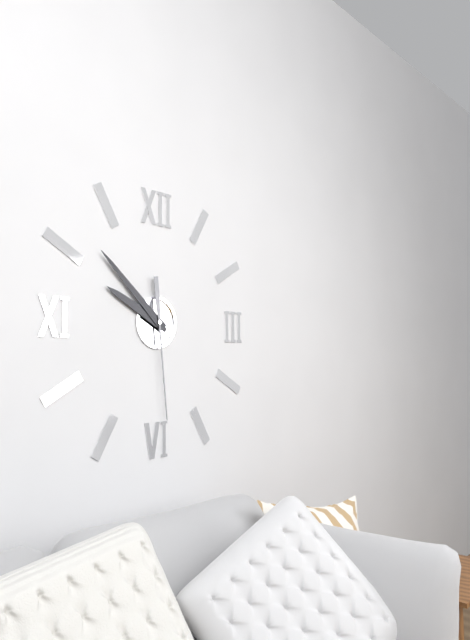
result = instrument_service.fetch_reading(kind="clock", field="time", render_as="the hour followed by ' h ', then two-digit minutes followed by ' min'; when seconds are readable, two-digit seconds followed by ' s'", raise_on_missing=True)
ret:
9 h 52 min 29 s
